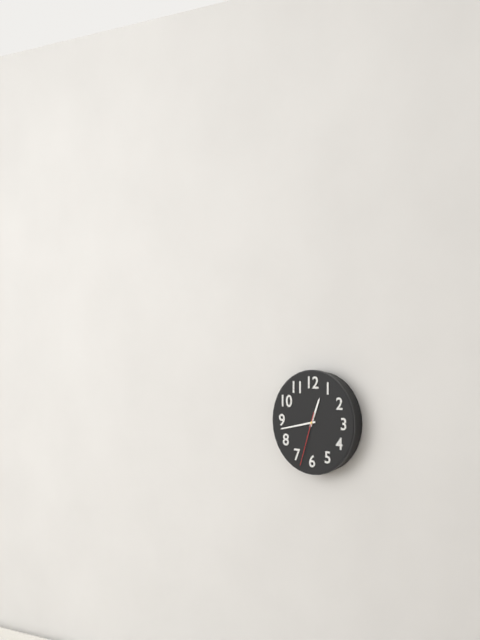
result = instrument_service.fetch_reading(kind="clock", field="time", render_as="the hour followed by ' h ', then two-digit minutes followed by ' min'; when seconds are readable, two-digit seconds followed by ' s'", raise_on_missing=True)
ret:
12 h 43 min 33 s
